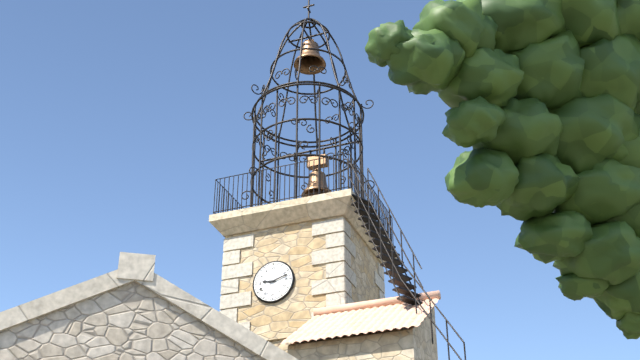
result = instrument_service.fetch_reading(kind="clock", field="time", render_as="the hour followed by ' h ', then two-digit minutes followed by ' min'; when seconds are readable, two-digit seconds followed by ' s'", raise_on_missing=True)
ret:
9 h 12 min
